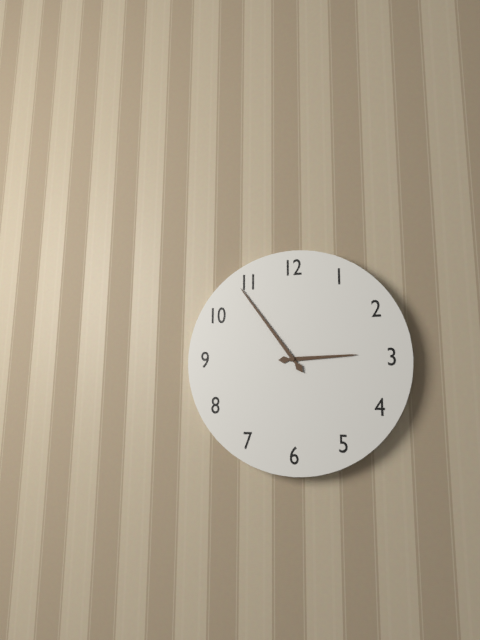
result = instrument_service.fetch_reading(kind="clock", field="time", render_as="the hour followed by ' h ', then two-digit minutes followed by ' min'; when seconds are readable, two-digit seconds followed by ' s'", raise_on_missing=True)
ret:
2 h 54 min
